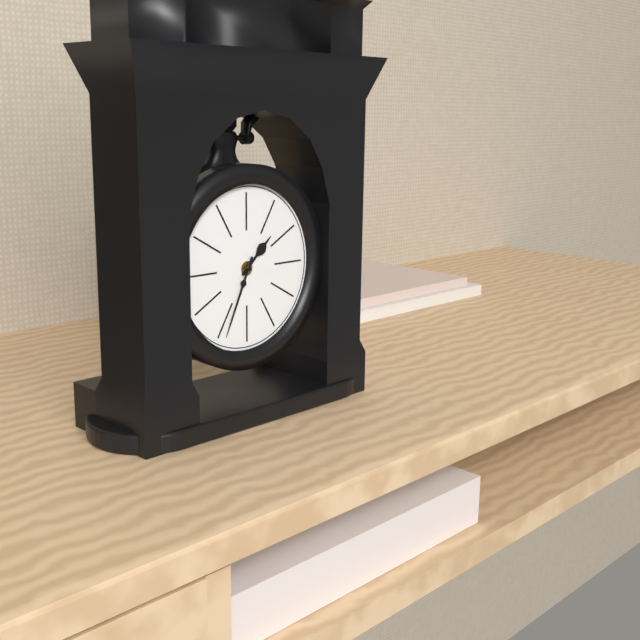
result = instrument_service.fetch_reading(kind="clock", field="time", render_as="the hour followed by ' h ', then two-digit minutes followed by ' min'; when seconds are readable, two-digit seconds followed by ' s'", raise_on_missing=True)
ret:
1 h 34 min
